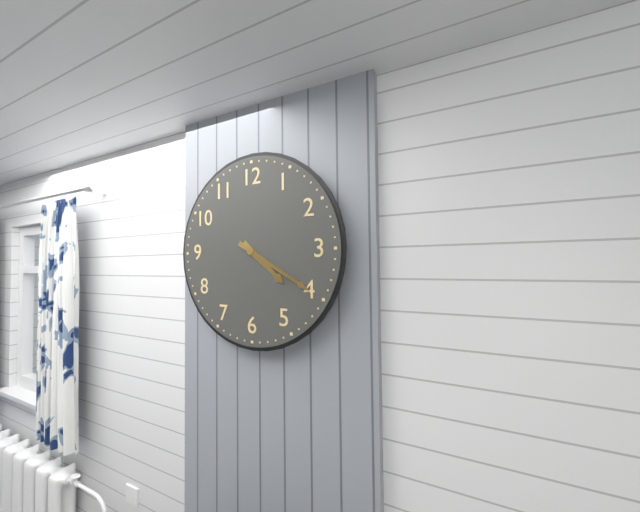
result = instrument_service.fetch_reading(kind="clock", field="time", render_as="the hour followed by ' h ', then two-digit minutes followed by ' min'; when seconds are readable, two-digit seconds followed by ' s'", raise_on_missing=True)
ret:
4 h 20 min
